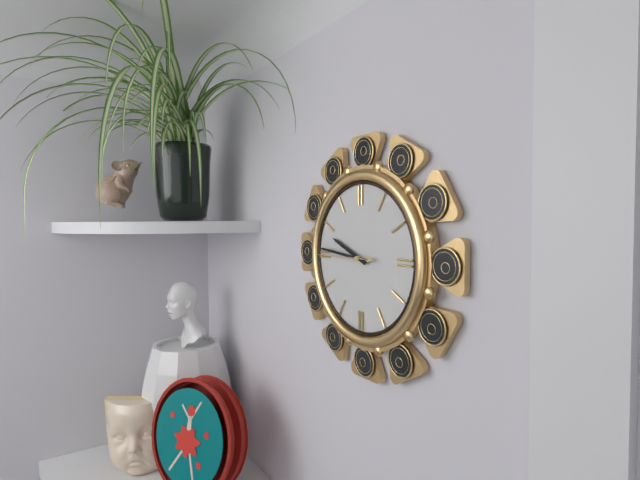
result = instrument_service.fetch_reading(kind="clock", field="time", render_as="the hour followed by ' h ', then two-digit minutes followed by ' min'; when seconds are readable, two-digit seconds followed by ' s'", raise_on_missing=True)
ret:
9 h 46 min
